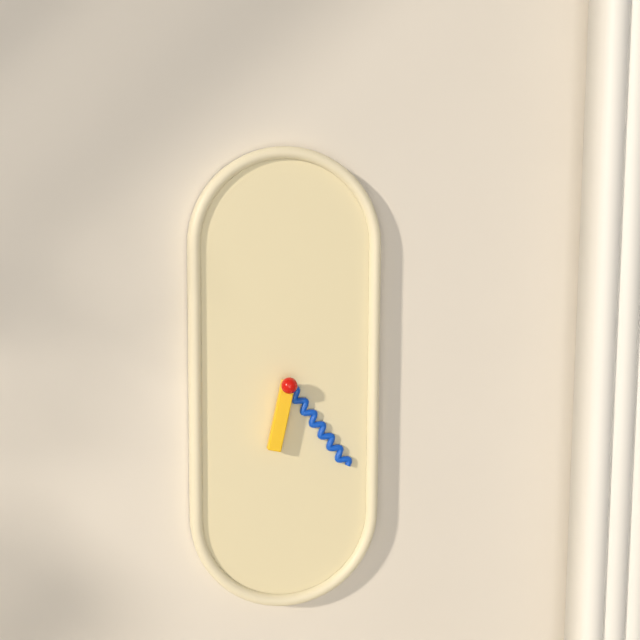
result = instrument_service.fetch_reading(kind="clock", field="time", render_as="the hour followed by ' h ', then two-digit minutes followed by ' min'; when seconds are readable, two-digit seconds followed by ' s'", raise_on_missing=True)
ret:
6 h 24 min
